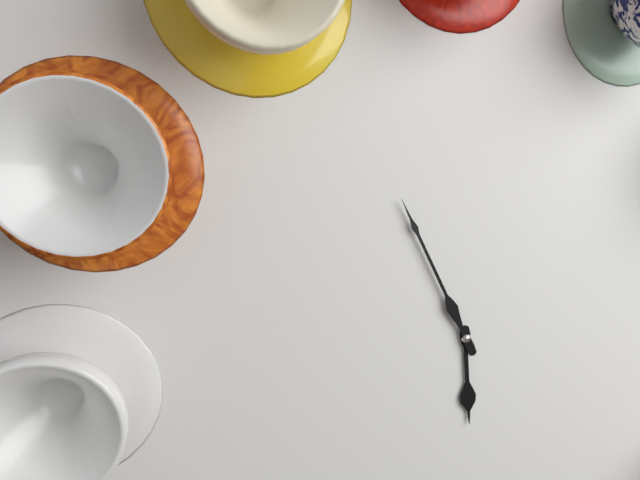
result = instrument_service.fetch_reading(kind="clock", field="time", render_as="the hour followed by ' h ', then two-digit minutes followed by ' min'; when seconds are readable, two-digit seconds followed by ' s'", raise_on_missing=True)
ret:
5 h 56 min
